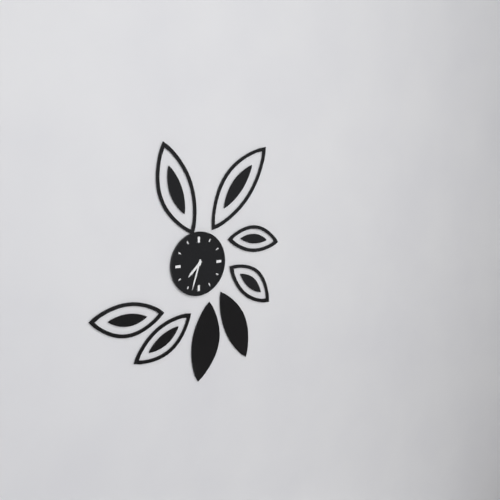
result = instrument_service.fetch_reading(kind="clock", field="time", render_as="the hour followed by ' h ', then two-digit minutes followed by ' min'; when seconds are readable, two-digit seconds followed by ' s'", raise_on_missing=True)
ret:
7 h 33 min
